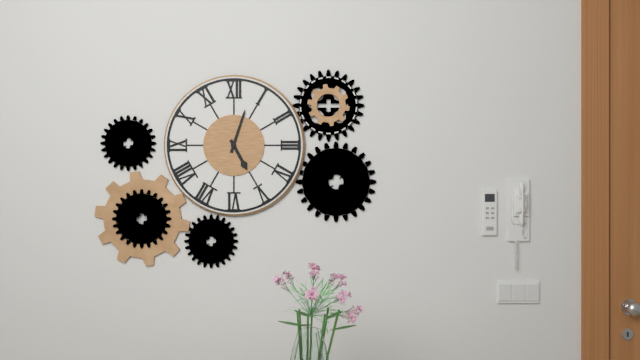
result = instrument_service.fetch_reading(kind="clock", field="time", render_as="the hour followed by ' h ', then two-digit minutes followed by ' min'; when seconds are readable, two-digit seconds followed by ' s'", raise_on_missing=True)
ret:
5 h 03 min
